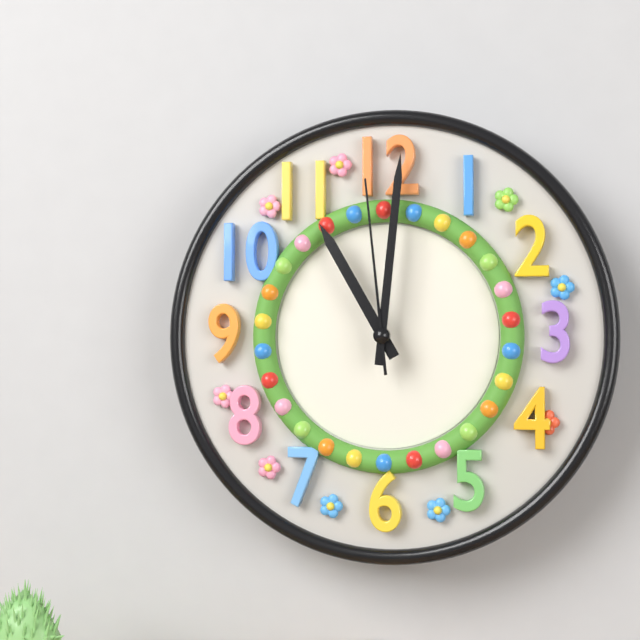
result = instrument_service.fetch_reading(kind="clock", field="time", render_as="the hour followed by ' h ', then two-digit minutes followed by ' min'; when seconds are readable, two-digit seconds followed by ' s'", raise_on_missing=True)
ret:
11 h 01 min 59 s
